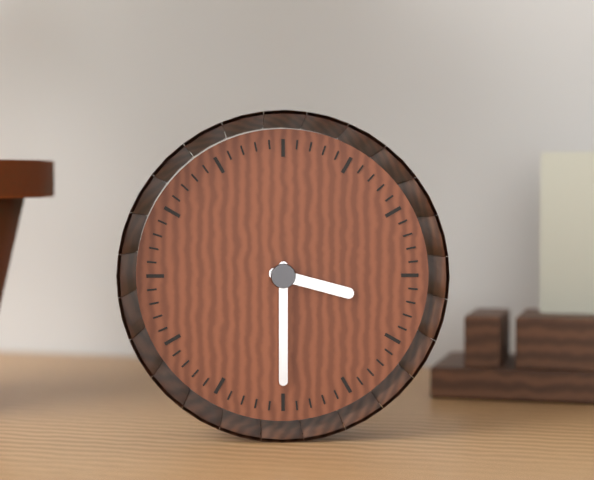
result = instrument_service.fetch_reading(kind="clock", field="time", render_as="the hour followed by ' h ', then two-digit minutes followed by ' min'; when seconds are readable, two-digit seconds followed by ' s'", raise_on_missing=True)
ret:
3 h 30 min
